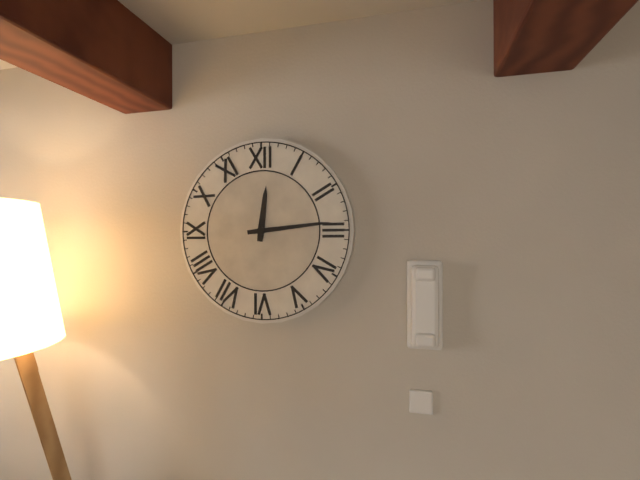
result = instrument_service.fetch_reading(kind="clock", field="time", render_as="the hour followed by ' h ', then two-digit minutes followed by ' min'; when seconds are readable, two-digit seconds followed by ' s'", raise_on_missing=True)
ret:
12 h 14 min
